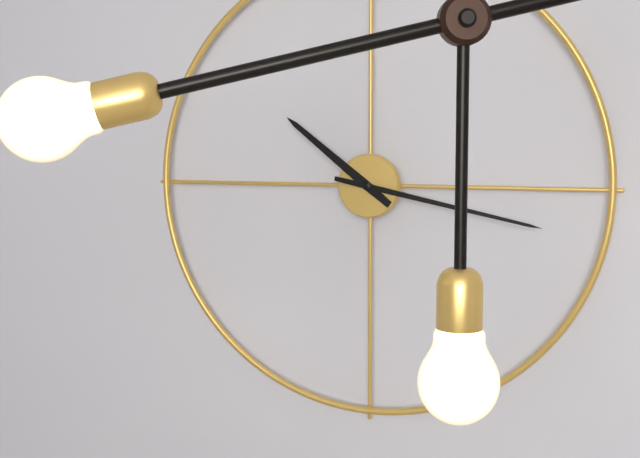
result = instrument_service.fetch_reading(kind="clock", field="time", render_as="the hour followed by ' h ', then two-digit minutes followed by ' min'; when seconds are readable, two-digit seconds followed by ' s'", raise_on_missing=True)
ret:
10 h 17 min
